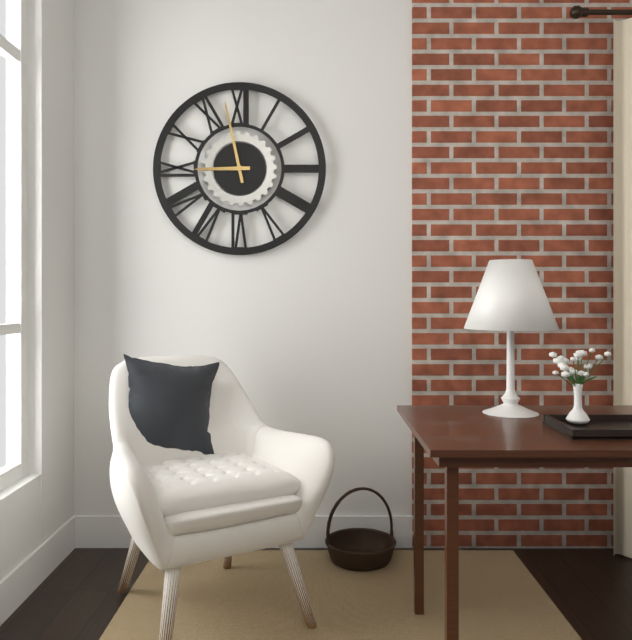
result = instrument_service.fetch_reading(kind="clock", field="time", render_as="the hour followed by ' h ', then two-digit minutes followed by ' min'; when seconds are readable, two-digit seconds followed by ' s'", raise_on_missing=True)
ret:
8 h 58 min
